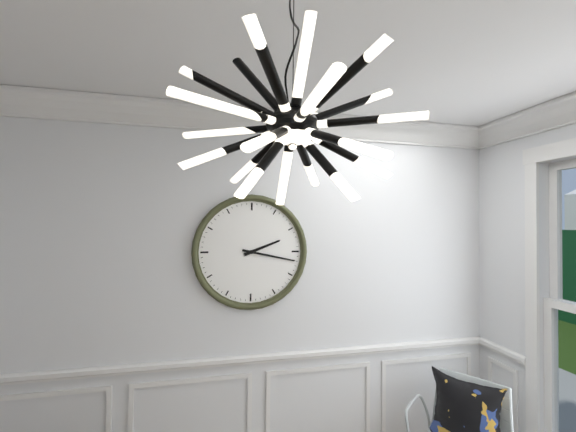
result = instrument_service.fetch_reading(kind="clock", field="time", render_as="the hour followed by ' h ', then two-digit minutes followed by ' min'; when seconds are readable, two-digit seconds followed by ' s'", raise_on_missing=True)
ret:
2 h 17 min
